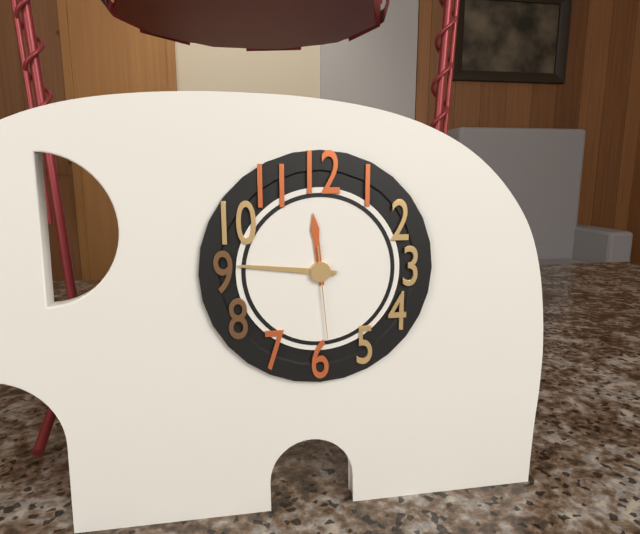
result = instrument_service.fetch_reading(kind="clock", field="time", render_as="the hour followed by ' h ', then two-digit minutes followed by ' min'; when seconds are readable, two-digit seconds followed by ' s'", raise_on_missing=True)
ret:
11 h 46 min 29 s
